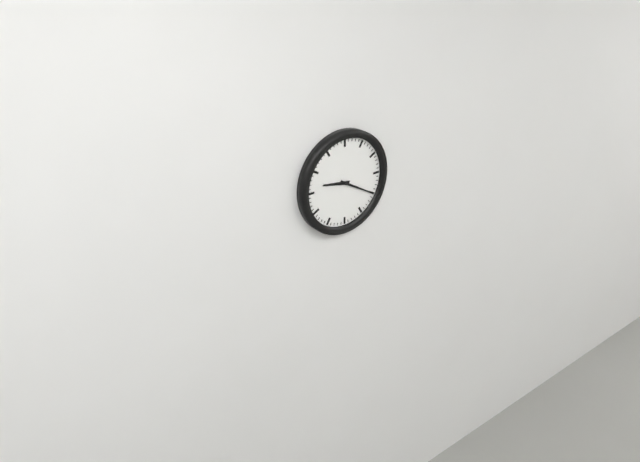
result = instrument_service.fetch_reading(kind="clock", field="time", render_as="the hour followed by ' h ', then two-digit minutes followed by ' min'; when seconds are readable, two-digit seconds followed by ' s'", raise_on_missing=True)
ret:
9 h 20 min
